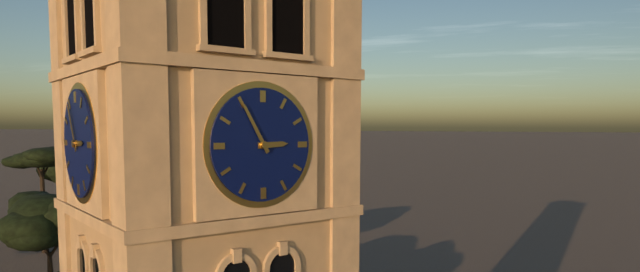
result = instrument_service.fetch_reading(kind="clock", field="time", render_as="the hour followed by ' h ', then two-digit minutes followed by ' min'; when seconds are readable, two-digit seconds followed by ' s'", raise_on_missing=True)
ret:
2 h 55 min
